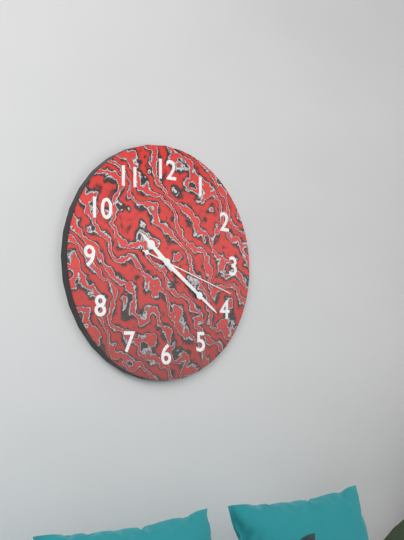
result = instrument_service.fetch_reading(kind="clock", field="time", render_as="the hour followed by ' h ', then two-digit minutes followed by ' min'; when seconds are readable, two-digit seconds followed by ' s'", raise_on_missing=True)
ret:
10 h 21 min 18 s
